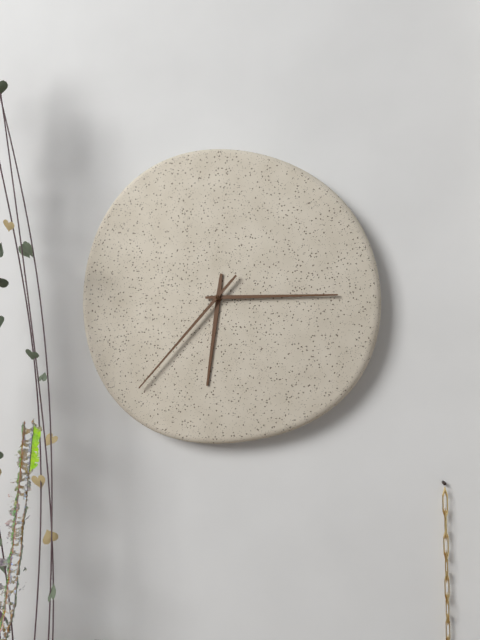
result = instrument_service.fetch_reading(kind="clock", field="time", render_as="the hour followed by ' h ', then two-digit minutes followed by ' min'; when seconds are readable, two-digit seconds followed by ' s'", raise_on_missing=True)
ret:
6 h 15 min 37 s
